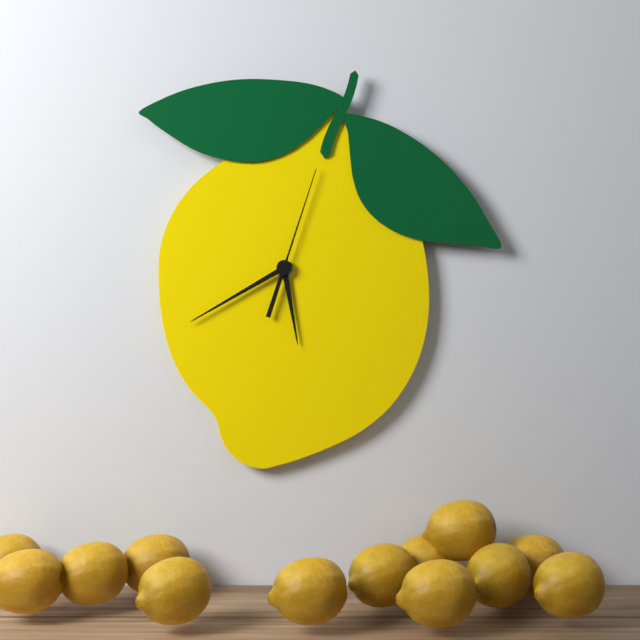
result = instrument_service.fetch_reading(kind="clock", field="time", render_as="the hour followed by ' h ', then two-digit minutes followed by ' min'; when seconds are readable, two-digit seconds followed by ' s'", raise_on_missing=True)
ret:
5 h 40 min 03 s
